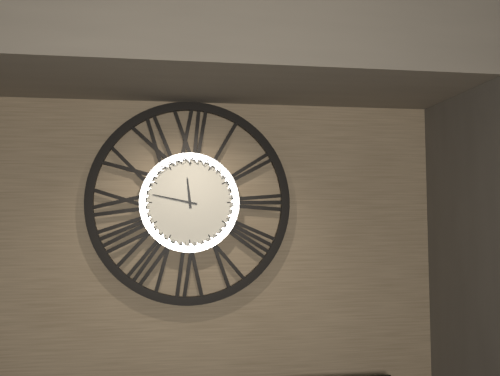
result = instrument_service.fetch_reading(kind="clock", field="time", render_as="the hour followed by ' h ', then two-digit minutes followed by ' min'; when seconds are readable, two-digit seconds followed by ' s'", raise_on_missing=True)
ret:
11 h 47 min
